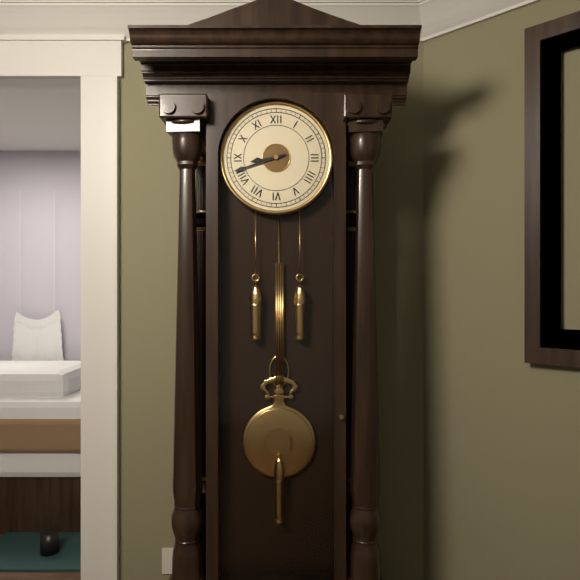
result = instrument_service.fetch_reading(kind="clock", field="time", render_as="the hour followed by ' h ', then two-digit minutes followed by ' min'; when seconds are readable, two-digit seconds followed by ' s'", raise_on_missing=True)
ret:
8 h 42 min
